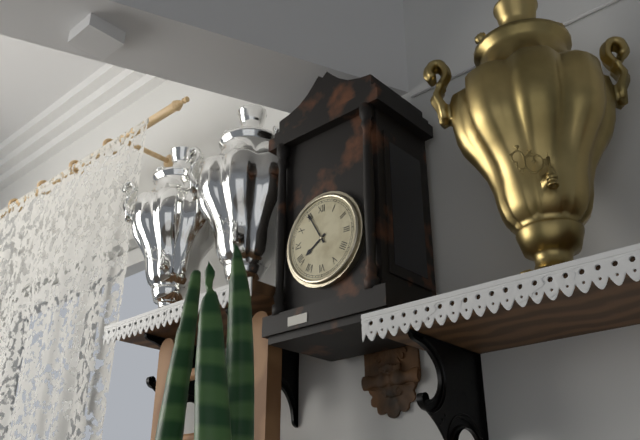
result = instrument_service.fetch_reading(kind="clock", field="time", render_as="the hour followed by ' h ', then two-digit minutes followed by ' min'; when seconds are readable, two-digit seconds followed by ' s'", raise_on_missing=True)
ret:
7 h 55 min
